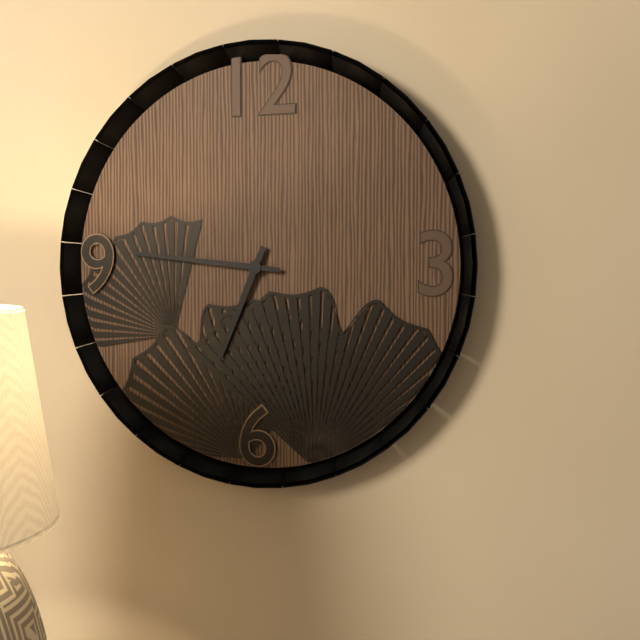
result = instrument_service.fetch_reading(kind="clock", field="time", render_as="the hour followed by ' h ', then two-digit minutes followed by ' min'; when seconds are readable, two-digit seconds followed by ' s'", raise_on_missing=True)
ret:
6 h 46 min
